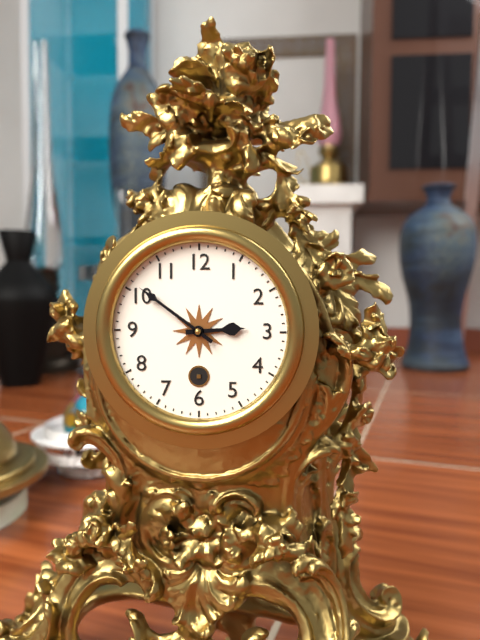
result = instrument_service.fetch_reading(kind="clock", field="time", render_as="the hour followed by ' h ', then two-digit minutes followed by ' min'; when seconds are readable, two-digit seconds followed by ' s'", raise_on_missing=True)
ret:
2 h 51 min
